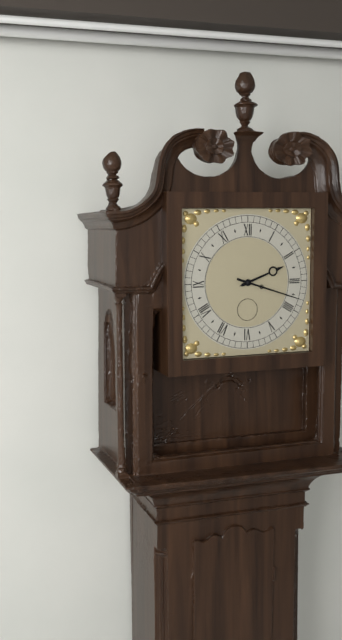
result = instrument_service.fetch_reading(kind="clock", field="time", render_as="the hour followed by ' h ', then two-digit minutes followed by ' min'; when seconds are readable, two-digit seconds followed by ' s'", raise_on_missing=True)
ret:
2 h 18 min
